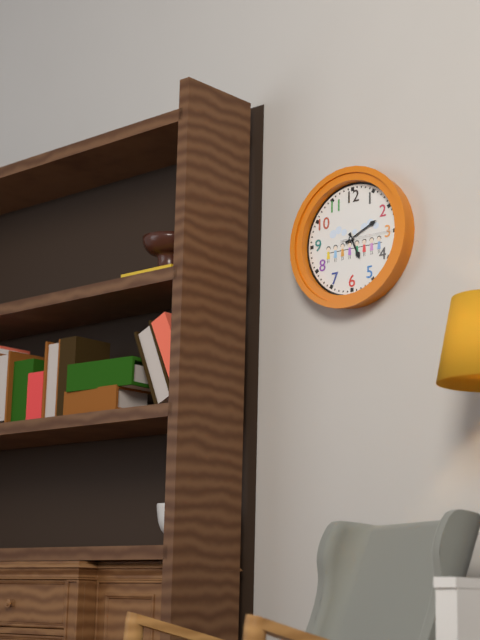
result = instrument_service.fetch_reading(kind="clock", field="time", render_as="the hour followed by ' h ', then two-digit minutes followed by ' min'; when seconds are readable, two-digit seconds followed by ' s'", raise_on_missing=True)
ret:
5 h 11 min
